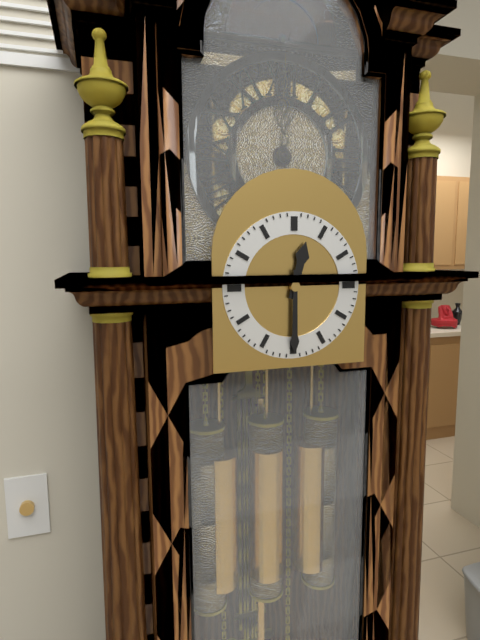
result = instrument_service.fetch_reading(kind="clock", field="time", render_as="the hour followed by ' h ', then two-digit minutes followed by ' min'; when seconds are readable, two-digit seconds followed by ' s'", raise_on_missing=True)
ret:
12 h 30 min
